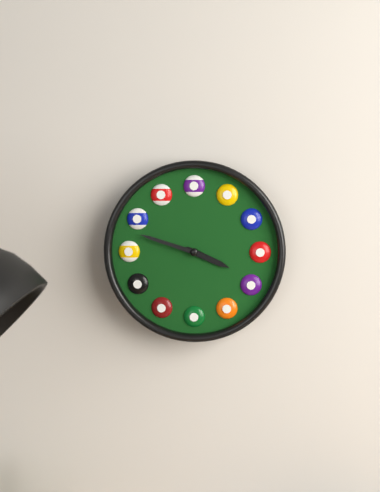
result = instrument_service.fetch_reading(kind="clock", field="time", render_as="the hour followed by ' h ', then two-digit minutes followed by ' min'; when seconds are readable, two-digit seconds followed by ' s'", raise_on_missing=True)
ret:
3 h 48 min
